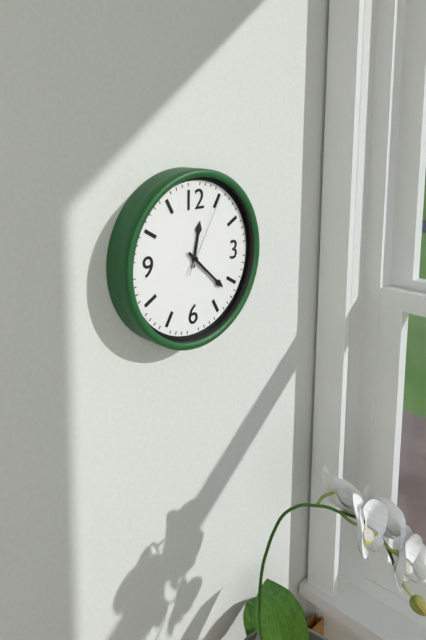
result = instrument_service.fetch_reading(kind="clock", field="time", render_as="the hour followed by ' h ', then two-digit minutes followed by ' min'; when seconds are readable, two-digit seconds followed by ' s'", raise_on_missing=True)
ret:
12 h 22 min 05 s
